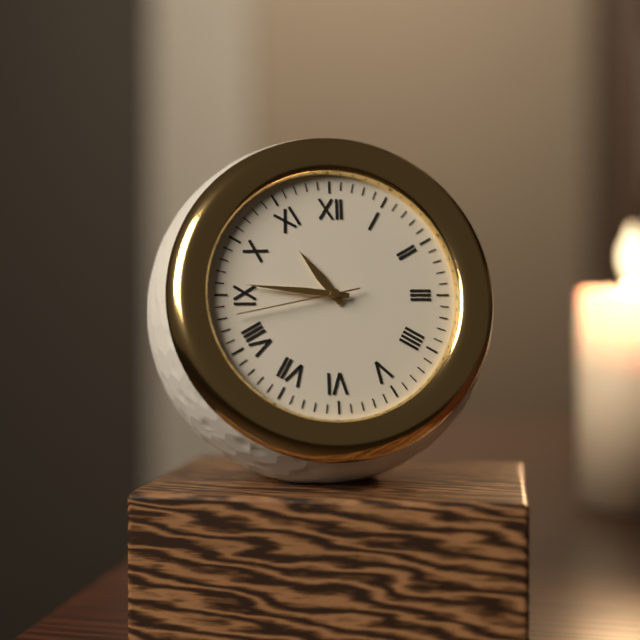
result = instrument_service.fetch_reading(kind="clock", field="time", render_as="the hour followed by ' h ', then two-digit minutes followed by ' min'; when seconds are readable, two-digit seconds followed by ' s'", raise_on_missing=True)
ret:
10 h 46 min 43 s
